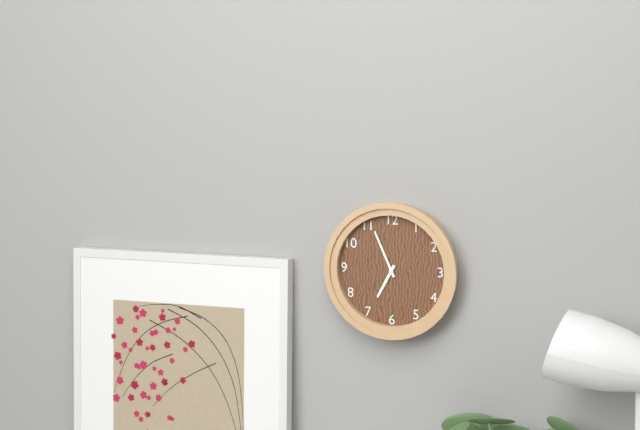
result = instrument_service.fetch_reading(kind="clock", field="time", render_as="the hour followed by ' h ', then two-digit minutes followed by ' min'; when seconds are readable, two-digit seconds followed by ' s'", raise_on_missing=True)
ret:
6 h 56 min
